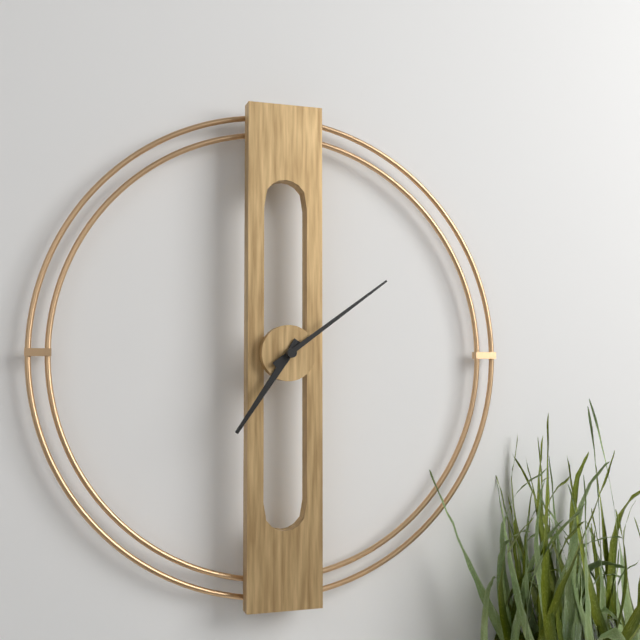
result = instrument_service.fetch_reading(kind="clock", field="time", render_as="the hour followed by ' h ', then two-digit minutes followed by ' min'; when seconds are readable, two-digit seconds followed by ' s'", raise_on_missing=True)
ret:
7 h 09 min
